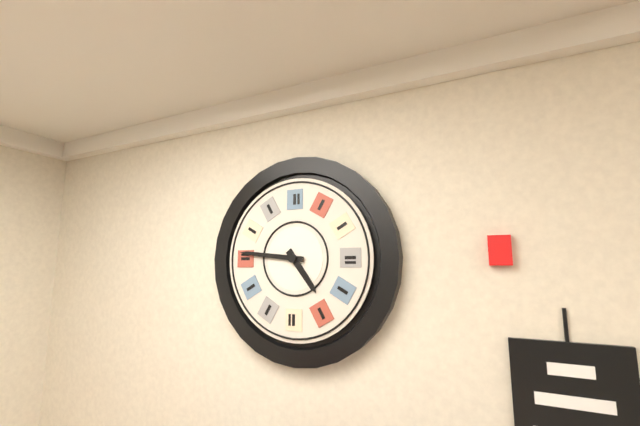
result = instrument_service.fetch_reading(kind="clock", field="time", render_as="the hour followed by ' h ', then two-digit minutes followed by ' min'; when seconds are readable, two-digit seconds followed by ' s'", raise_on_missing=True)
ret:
4 h 46 min
